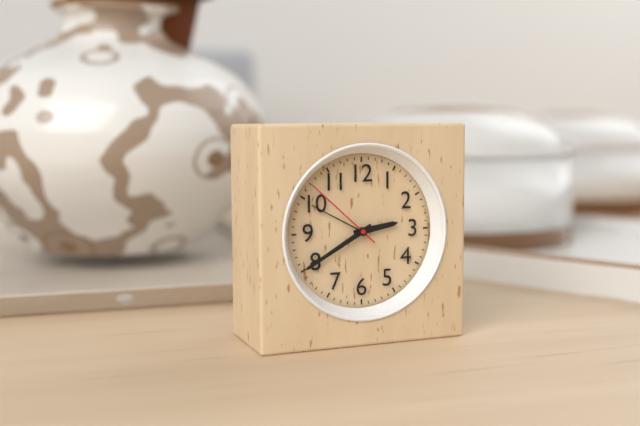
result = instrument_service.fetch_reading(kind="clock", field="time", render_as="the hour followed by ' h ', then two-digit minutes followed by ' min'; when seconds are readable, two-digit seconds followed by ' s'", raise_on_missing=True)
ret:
2 h 40 min 52 s
